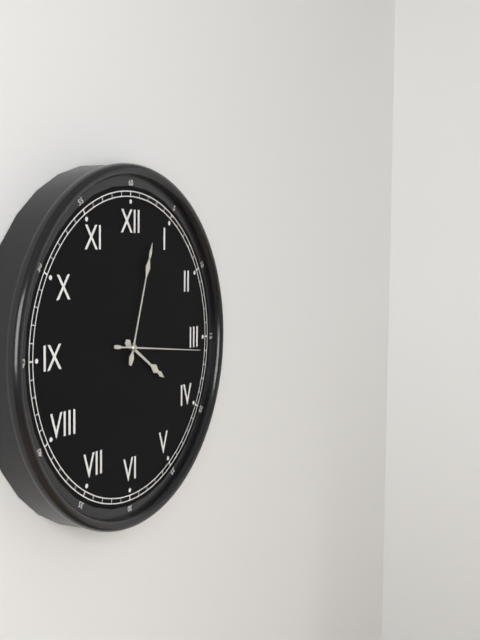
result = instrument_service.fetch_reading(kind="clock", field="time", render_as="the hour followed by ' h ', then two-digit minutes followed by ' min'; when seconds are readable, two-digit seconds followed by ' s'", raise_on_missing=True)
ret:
4 h 03 min 16 s
